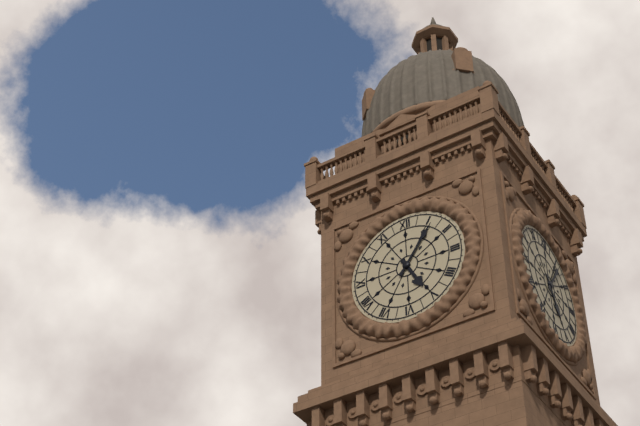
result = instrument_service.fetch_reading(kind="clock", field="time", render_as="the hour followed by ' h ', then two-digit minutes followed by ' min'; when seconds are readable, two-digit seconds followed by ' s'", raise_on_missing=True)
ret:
5 h 06 min
